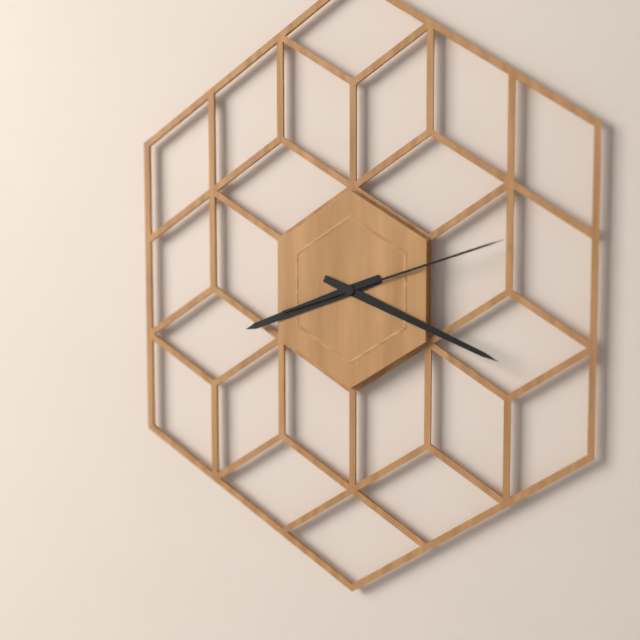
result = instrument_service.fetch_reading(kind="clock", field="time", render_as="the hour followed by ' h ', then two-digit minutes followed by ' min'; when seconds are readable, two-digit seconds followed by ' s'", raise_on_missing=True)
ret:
8 h 19 min 12 s
